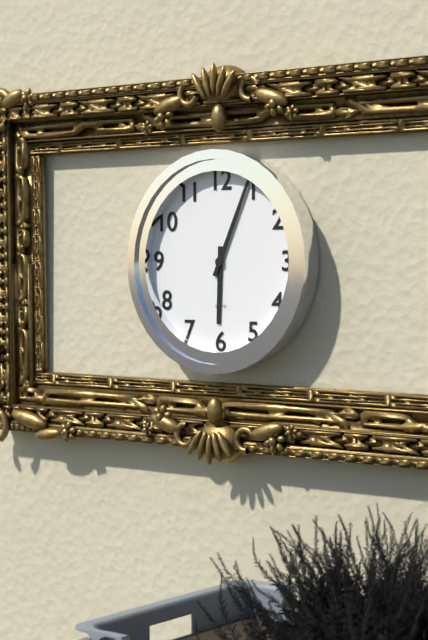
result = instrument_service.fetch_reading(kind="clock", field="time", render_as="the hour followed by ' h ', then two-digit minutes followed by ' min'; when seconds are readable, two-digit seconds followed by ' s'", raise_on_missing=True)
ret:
6 h 04 min
